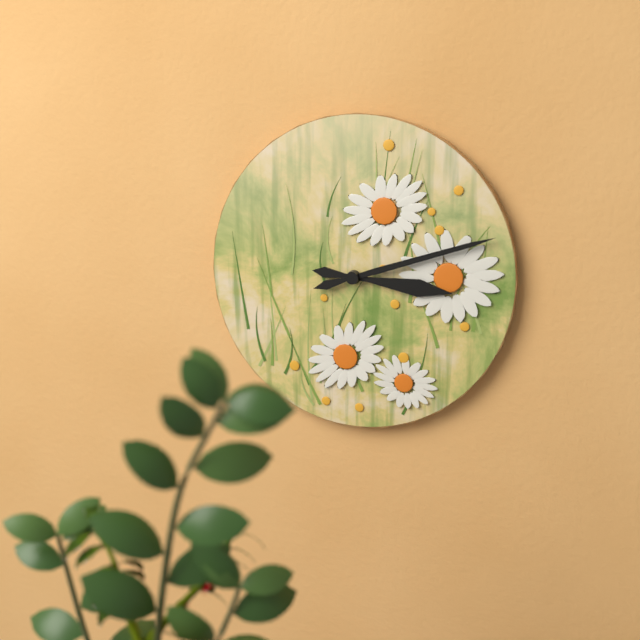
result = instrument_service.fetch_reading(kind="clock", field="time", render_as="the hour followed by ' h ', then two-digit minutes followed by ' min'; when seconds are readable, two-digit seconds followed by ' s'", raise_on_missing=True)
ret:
3 h 12 min
